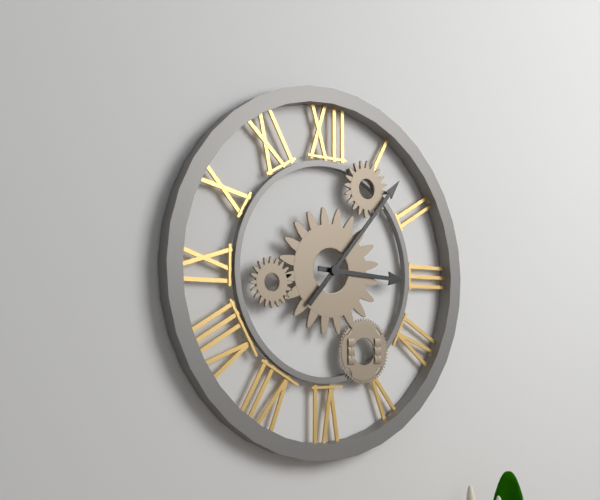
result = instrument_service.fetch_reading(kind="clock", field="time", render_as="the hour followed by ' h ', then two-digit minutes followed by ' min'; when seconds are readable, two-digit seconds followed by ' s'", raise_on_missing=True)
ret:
3 h 07 min
